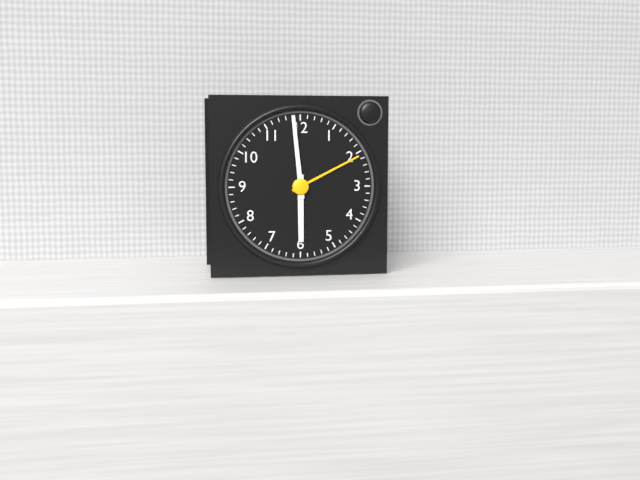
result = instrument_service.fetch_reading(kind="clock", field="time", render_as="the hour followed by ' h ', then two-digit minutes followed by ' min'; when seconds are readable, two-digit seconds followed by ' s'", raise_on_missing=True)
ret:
5 h 59 min
